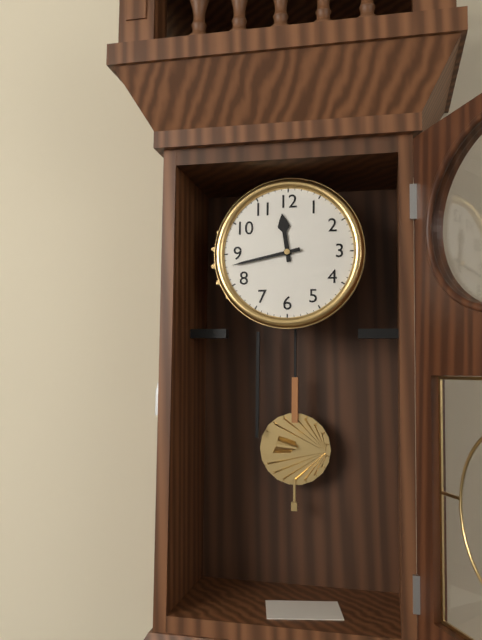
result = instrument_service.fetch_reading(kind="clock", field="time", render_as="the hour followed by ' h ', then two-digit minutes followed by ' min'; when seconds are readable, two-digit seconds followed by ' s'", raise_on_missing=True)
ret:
11 h 43 min
